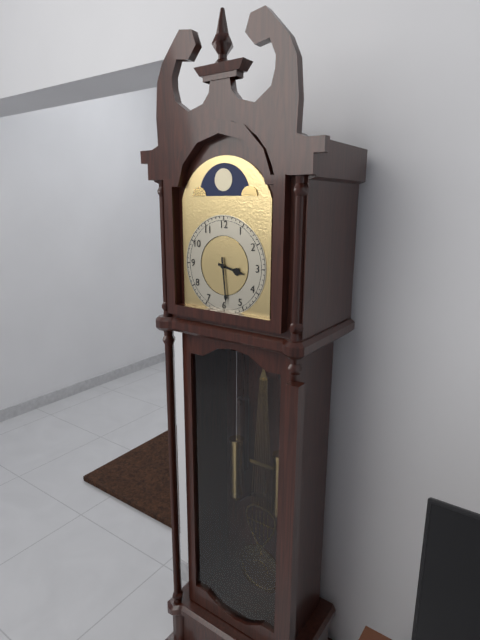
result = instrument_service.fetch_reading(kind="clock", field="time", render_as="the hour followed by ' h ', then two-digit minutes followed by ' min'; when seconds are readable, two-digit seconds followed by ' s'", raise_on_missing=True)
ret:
3 h 29 min
